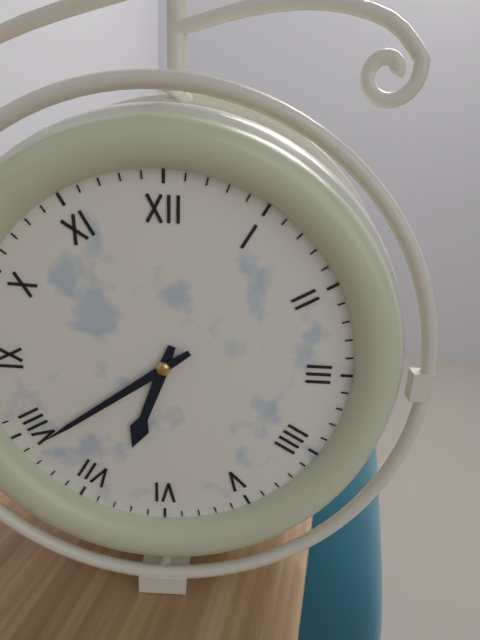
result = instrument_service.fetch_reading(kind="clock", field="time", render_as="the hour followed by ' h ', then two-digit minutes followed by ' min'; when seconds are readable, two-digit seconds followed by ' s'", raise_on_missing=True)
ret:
6 h 39 min
